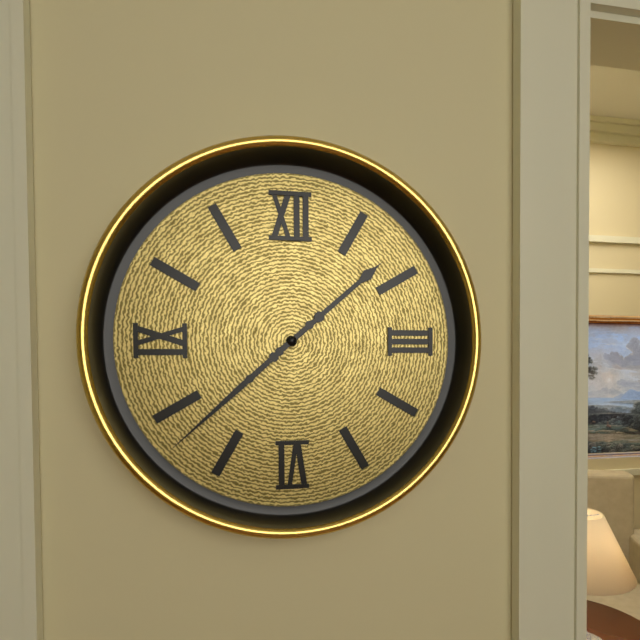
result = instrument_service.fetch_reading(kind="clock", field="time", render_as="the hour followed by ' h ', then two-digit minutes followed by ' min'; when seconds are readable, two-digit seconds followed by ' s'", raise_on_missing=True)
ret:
1 h 38 min
